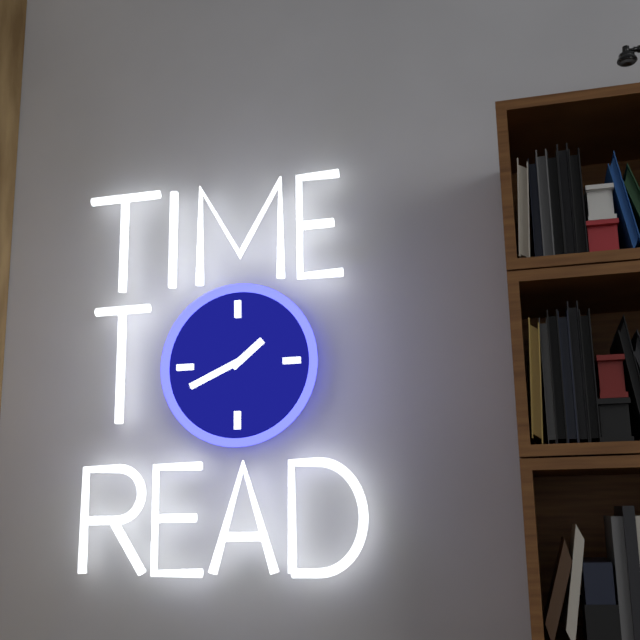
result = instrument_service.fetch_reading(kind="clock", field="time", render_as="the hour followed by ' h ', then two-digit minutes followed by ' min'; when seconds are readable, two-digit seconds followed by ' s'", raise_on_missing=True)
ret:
1 h 41 min
